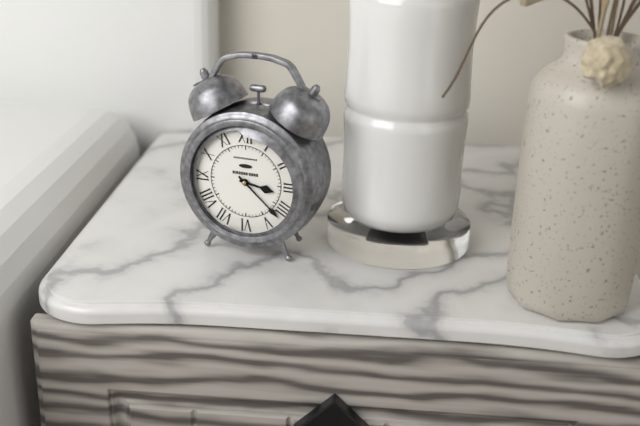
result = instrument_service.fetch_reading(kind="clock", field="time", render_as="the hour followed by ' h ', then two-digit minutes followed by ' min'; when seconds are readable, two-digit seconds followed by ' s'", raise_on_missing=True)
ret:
3 h 22 min
